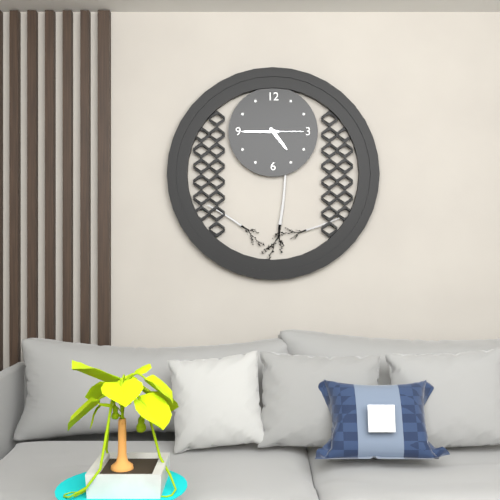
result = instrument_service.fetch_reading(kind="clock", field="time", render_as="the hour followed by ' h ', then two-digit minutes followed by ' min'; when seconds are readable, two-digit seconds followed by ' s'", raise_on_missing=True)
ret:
4 h 45 min
